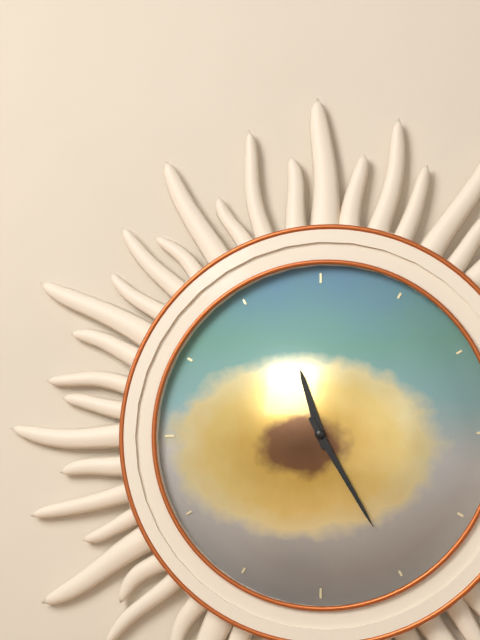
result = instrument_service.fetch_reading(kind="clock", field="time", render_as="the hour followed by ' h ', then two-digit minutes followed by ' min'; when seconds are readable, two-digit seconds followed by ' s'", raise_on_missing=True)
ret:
11 h 25 min
